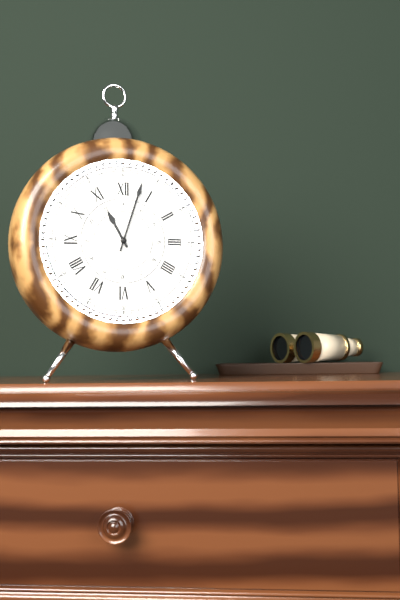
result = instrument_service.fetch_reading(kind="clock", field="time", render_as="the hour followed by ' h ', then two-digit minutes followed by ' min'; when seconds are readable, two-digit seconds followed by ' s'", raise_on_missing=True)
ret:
11 h 03 min
